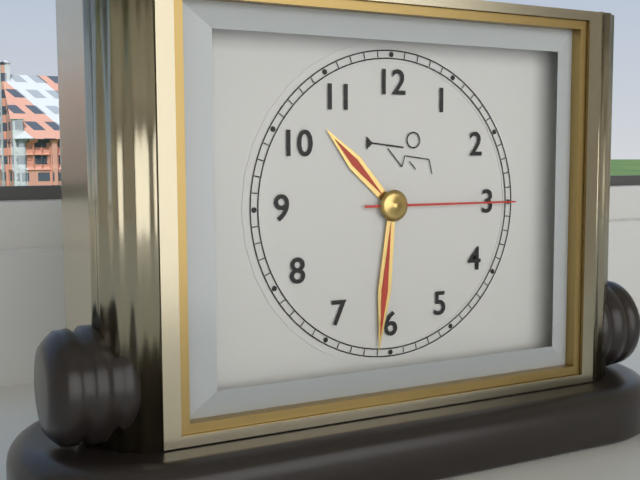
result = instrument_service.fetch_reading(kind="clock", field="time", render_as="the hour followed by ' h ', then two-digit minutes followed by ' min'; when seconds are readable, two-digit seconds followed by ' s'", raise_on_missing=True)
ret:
10 h 31 min 15 s
